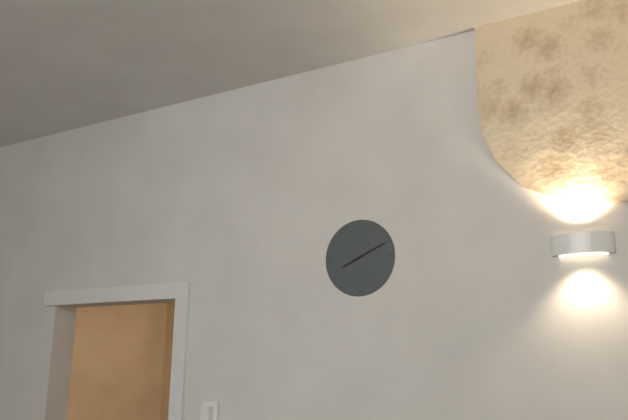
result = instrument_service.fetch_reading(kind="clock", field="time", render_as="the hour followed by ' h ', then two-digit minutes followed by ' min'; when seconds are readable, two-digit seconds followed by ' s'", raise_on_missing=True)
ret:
8 h 11 min
